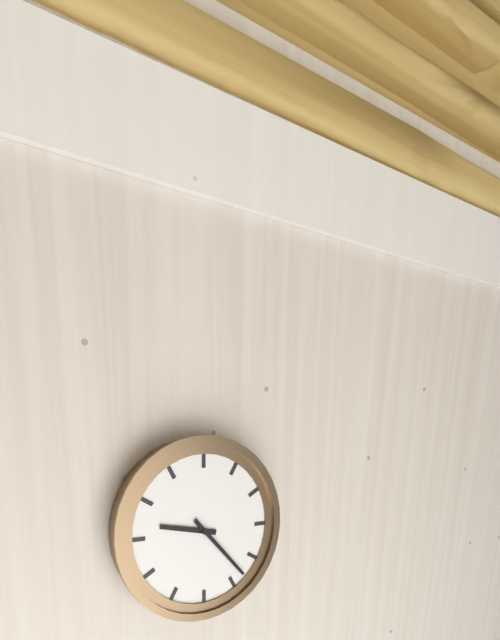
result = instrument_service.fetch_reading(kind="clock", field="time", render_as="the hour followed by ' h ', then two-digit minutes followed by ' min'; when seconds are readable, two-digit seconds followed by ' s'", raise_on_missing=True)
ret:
9 h 23 min
